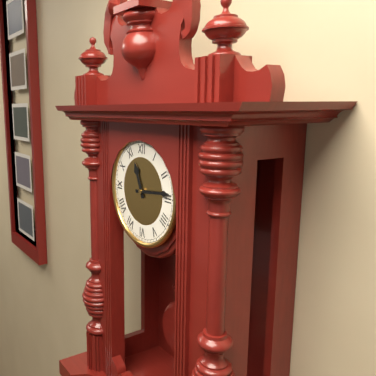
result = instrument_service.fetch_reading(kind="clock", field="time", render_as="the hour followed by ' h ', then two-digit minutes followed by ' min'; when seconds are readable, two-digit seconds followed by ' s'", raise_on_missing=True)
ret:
11 h 14 min
